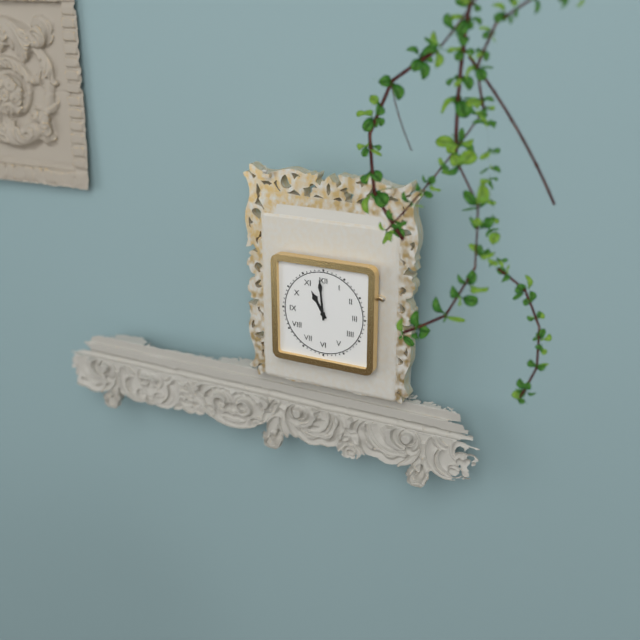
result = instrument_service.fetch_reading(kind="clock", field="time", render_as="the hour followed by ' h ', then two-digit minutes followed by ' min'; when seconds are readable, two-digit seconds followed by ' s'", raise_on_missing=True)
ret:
10 h 59 min
